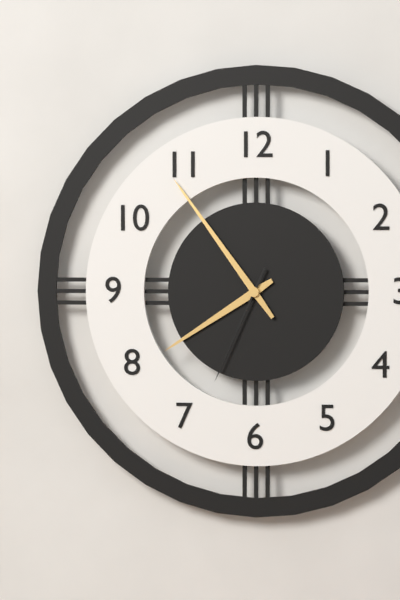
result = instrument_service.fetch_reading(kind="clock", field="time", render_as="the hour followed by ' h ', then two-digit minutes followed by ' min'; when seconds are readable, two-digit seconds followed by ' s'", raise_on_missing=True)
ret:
7 h 54 min 34 s
